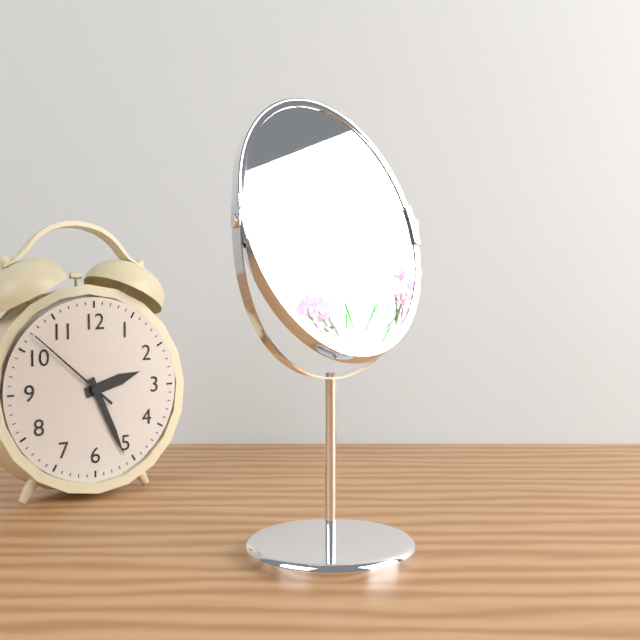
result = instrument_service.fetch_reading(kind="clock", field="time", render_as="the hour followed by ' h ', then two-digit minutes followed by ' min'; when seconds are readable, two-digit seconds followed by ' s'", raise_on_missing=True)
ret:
2 h 26 min 52 s
